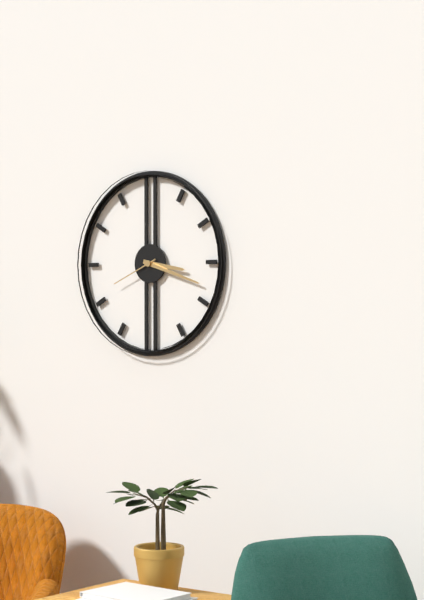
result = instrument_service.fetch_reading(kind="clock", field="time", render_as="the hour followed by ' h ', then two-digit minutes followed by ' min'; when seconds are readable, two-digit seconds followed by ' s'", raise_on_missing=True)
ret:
3 h 18 min 41 s
